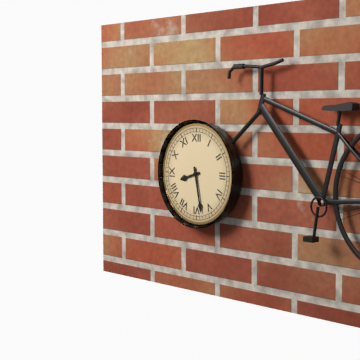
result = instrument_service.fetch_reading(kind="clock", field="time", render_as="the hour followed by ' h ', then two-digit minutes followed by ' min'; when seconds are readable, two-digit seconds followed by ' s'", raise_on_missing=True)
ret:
8 h 28 min
